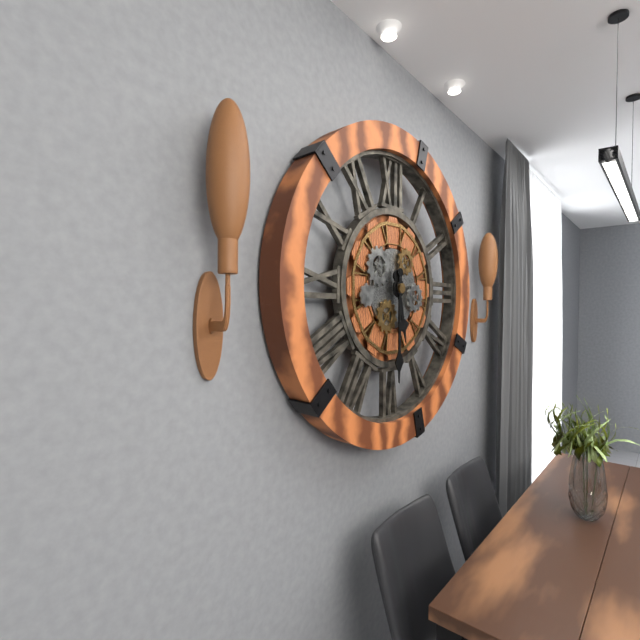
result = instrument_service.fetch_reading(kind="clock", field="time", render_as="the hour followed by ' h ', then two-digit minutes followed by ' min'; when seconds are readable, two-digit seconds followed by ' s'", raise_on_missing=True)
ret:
5 h 30 min
